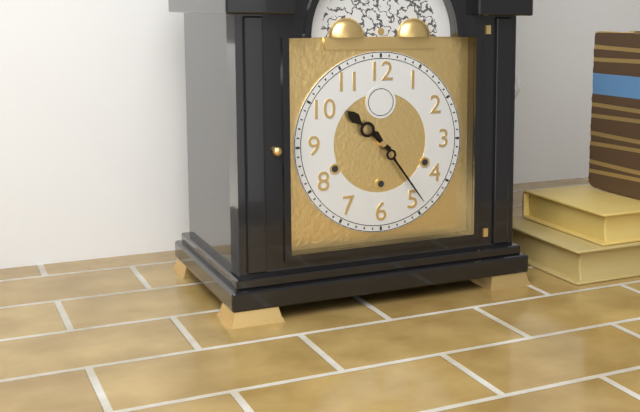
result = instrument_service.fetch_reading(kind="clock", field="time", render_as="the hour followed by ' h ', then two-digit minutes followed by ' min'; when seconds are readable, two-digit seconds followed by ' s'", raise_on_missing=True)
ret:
10 h 24 min
